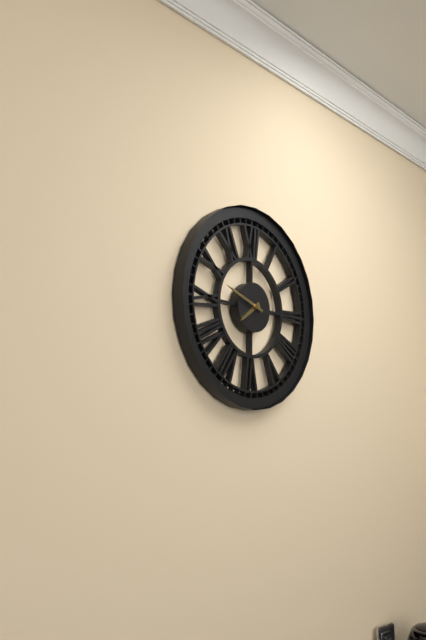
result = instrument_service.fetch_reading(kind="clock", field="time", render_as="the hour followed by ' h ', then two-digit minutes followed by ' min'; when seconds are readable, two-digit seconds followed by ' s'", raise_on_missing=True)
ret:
7 h 48 min
